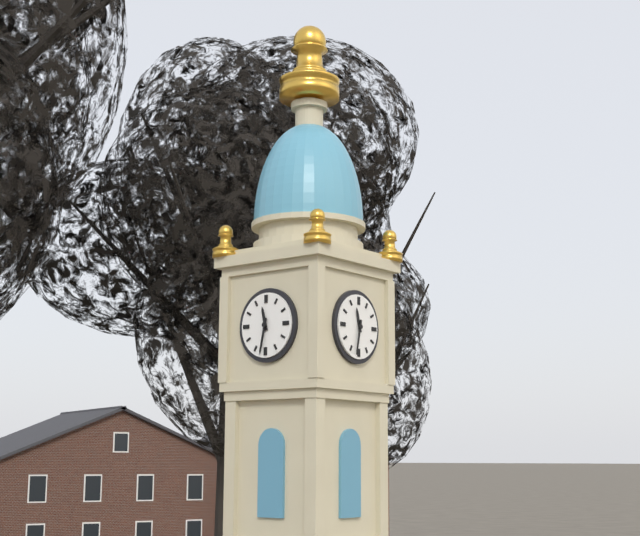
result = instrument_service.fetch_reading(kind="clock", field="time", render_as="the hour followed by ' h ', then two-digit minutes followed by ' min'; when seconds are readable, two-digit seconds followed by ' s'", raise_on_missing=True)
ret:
11 h 32 min
